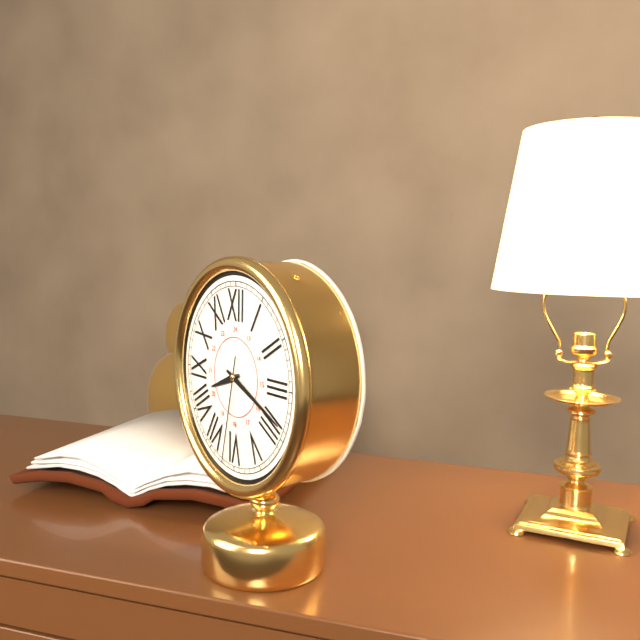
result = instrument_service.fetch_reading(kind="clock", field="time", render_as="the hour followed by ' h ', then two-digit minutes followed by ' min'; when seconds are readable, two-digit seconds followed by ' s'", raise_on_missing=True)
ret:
8 h 19 min 32 s
